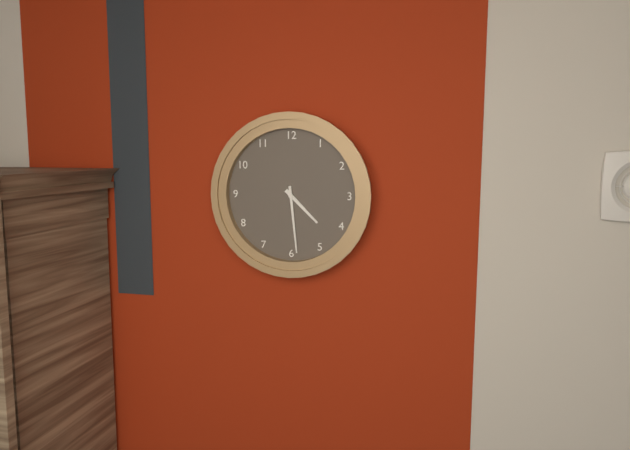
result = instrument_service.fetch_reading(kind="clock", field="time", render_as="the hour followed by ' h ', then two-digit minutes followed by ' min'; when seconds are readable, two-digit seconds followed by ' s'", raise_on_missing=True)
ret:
4 h 29 min
